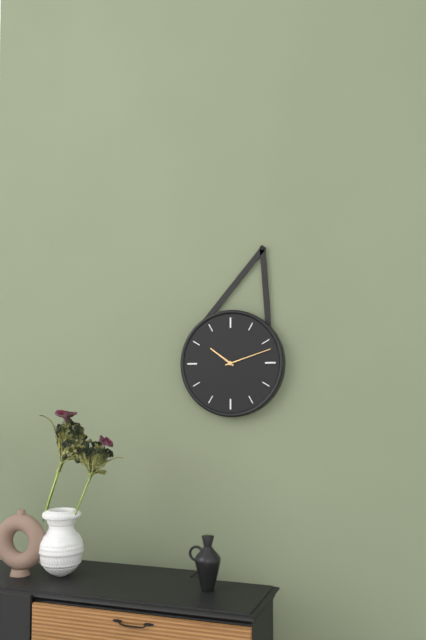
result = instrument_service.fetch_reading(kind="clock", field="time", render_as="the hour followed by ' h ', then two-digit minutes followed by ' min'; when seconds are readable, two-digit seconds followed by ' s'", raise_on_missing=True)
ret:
10 h 12 min
